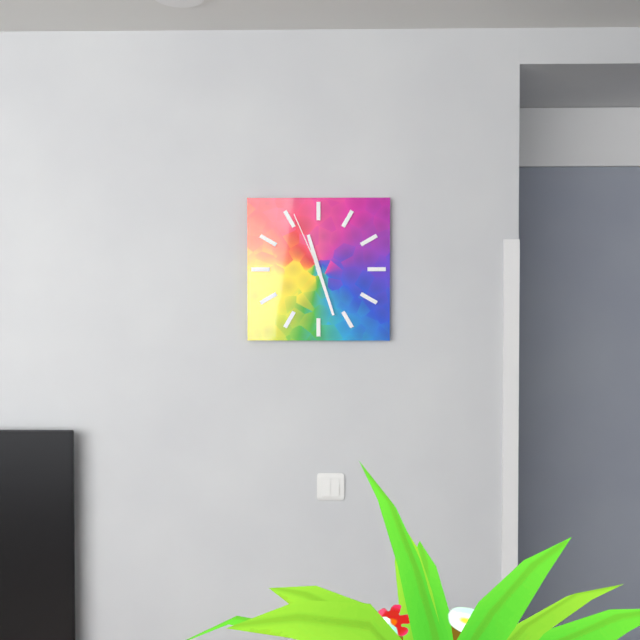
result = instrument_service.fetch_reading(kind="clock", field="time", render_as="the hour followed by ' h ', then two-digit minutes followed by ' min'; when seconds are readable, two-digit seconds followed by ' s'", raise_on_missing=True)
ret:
11 h 27 min 56 s
